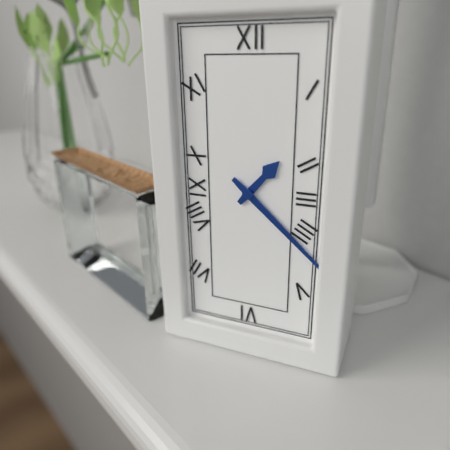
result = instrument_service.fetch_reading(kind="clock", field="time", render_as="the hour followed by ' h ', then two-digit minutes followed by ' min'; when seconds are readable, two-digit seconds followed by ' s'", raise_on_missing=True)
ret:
1 h 22 min
